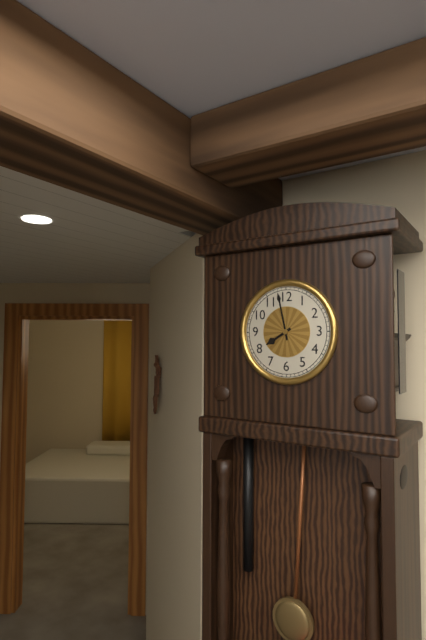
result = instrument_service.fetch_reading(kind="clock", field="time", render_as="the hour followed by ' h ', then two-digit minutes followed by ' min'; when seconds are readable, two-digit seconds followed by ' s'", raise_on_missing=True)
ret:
7 h 58 min
